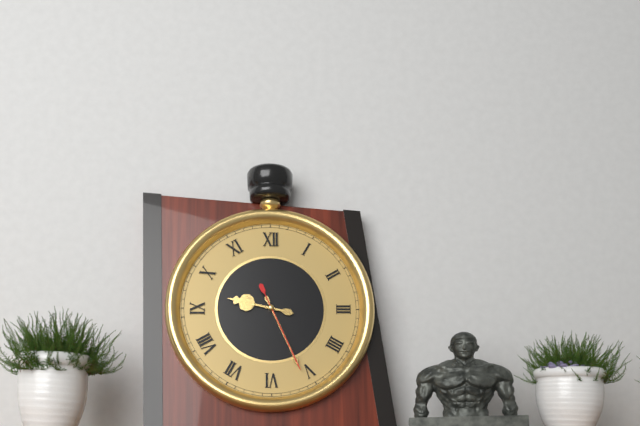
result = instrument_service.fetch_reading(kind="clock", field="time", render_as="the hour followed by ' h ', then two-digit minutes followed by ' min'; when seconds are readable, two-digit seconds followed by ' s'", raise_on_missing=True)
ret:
9 h 26 min 26 s
